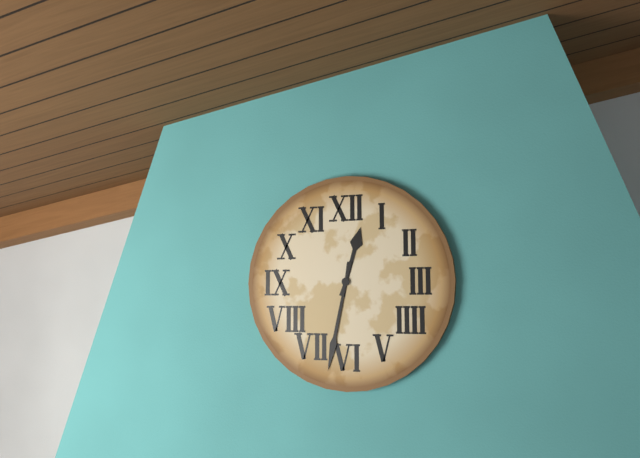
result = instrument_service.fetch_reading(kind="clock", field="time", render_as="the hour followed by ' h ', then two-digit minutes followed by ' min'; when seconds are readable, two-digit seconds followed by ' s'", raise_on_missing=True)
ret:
12 h 32 min
